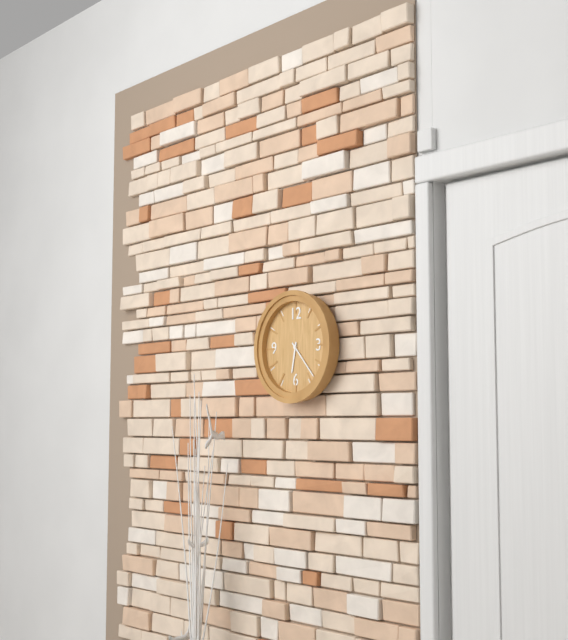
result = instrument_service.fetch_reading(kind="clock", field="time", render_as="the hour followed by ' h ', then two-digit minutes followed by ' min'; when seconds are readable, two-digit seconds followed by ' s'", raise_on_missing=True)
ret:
6 h 23 min
